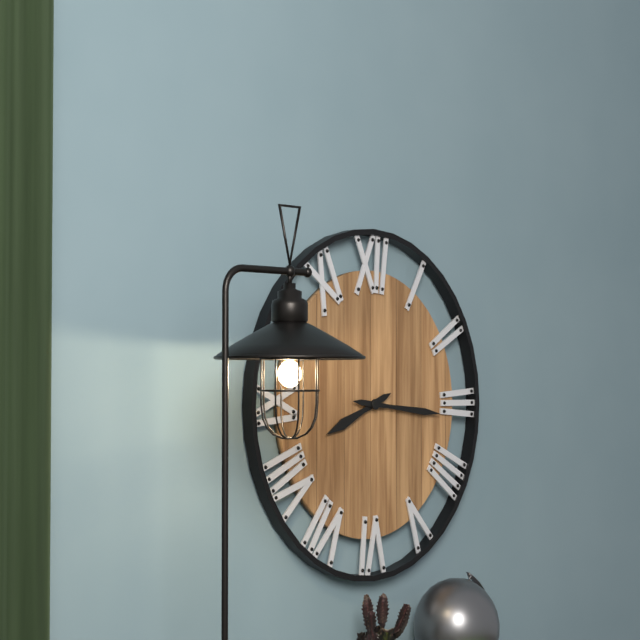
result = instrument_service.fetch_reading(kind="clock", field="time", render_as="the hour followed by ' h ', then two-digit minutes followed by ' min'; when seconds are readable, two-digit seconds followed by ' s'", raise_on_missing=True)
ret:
8 h 16 min
